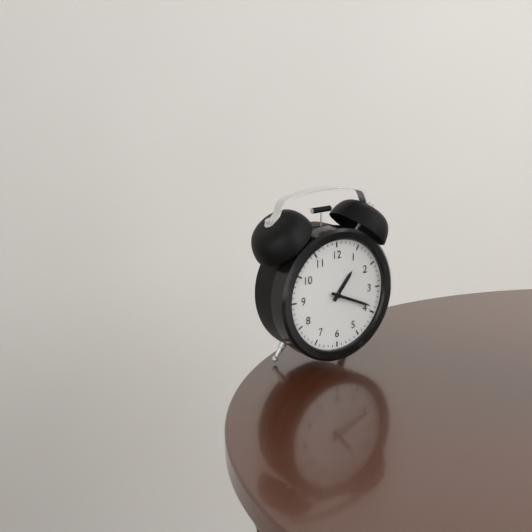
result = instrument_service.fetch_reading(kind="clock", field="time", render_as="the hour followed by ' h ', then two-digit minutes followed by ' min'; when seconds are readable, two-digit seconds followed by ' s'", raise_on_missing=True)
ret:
1 h 19 min
